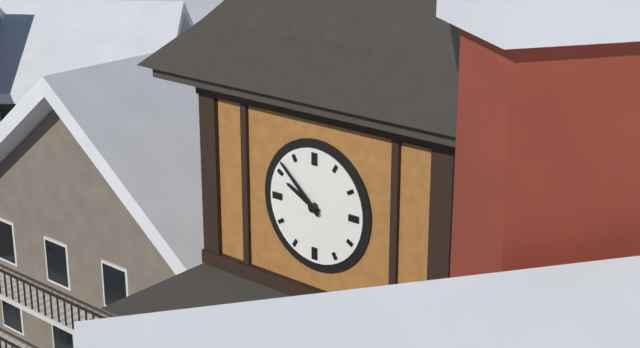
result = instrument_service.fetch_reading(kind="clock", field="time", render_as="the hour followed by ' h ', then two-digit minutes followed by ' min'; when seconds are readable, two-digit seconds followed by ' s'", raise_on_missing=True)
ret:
9 h 52 min
